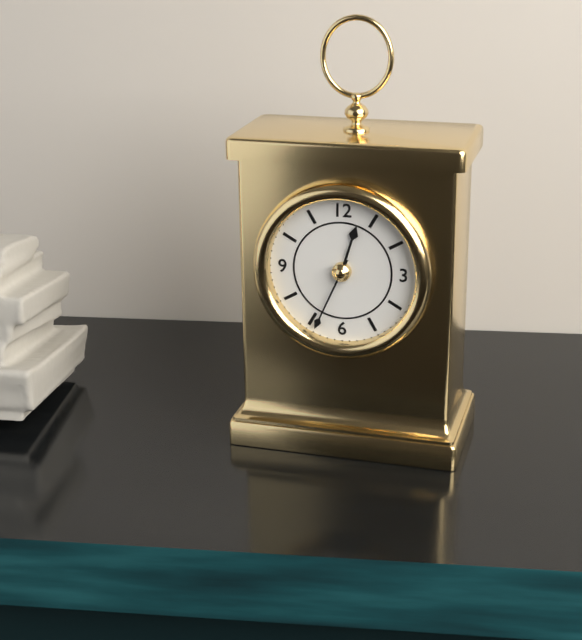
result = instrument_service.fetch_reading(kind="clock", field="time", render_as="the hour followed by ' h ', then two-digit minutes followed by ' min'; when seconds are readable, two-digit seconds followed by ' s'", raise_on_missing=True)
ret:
12 h 34 min
